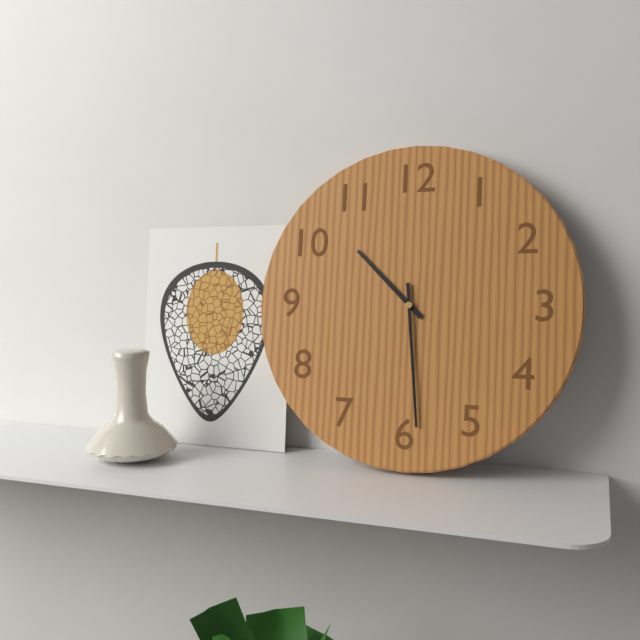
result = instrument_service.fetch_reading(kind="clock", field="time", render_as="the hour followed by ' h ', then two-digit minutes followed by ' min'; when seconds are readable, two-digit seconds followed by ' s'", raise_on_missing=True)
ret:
10 h 29 min
